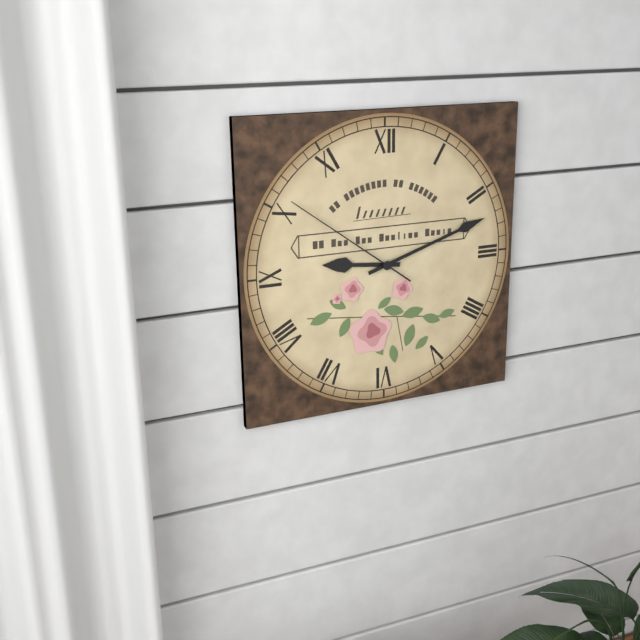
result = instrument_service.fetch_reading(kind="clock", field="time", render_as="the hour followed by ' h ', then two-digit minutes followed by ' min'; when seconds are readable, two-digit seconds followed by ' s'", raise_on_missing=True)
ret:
9 h 12 min 51 s
